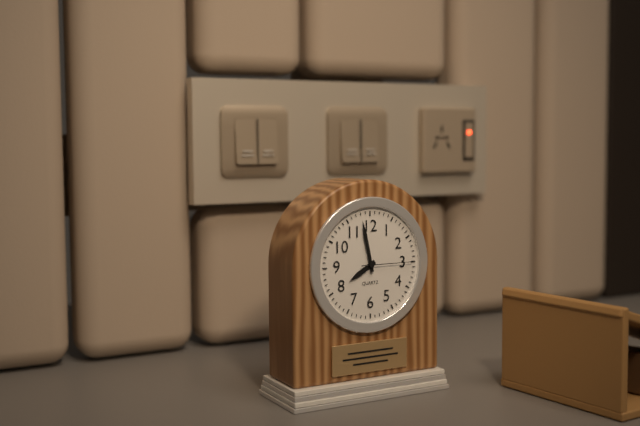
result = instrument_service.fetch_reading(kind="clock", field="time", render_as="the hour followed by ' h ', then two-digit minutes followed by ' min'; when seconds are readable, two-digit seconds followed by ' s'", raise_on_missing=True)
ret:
7 h 58 min 15 s
